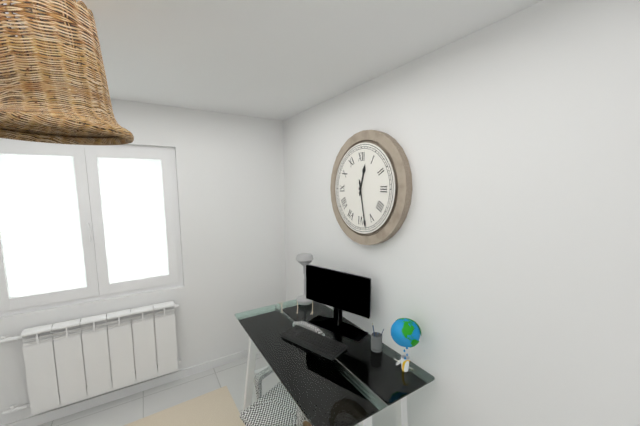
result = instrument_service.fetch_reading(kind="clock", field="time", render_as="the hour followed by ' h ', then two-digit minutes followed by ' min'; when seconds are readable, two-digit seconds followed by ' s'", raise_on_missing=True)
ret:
12 h 28 min
